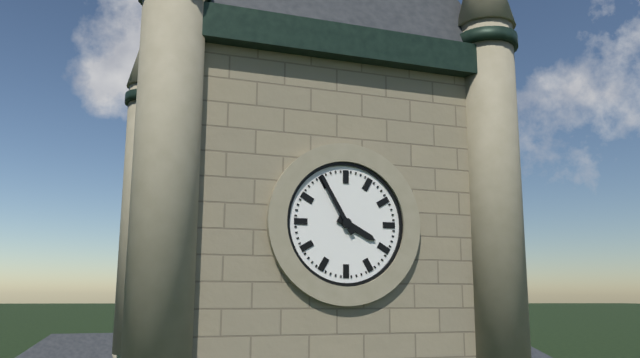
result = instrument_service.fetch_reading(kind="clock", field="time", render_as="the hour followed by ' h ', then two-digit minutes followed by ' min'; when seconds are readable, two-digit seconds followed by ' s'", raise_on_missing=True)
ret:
3 h 55 min
